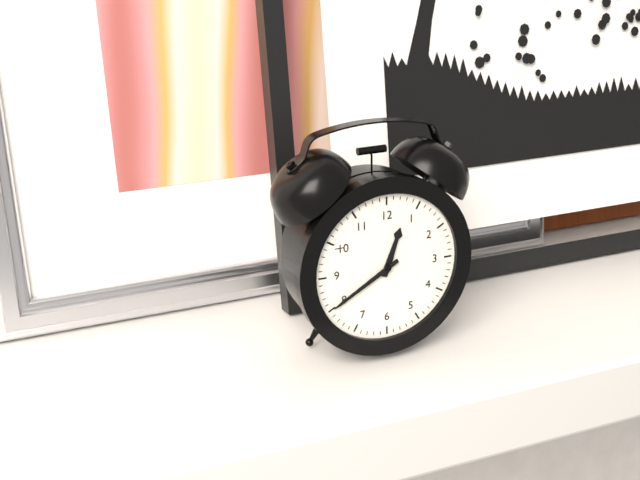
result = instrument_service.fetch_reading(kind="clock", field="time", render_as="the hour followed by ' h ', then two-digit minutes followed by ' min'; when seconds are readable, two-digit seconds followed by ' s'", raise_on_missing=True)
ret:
12 h 40 min
